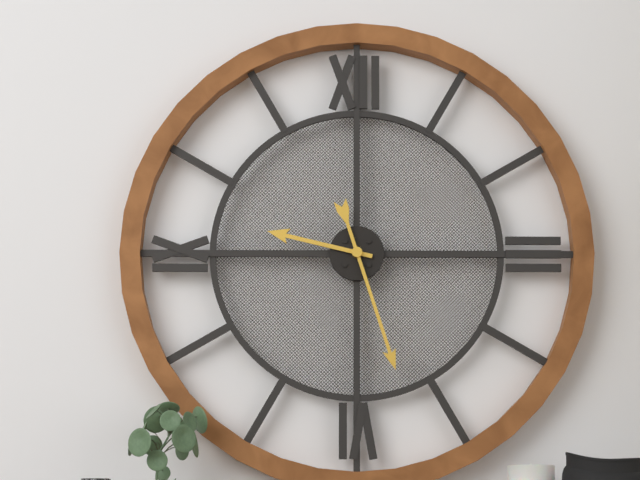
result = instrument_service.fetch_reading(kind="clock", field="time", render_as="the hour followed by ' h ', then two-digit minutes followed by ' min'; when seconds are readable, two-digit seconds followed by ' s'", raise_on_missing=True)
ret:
9 h 27 min
